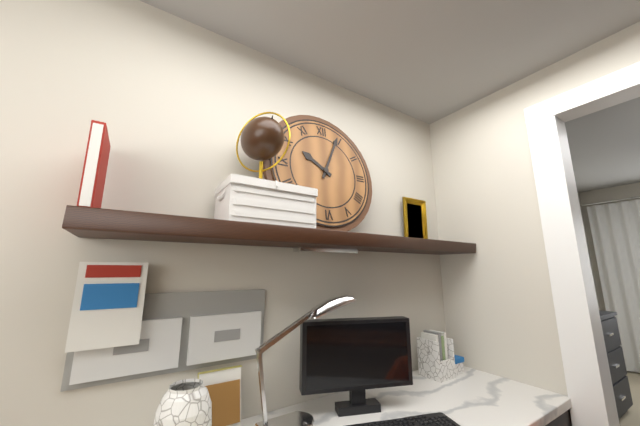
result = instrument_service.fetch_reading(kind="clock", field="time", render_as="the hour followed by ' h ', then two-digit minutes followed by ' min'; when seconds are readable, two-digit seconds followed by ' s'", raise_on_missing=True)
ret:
10 h 04 min
